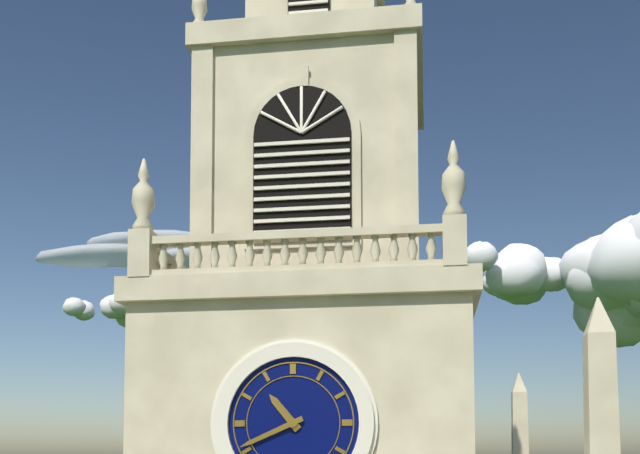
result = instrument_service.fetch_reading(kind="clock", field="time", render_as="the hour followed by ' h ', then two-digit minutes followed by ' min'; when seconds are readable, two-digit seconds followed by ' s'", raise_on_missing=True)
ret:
10 h 41 min
